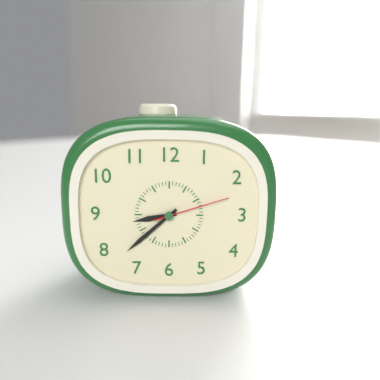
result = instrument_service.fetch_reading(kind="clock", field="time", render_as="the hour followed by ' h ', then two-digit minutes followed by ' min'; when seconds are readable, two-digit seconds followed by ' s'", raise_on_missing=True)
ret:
8 h 38 min 12 s
